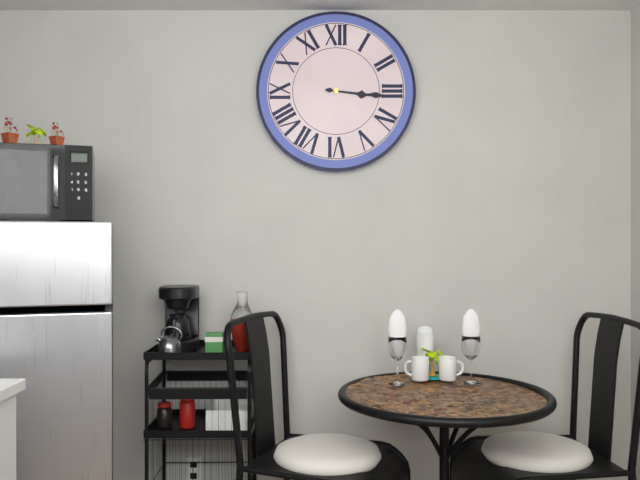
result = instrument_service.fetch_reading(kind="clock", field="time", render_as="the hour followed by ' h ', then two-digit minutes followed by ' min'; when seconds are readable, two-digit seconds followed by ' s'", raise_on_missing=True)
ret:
3 h 16 min
